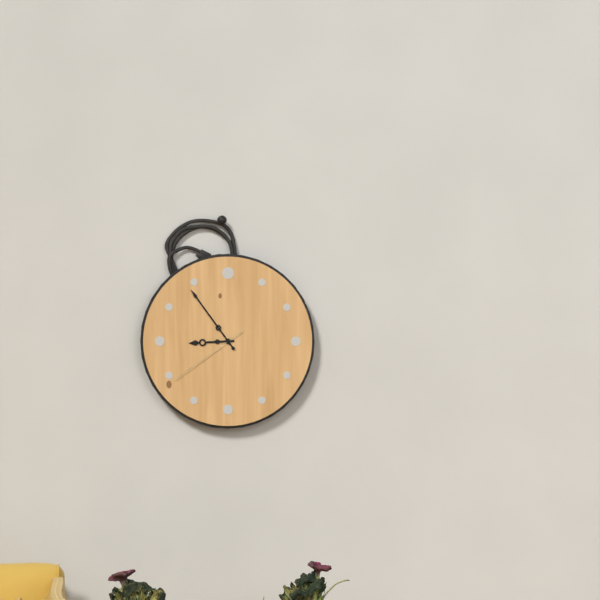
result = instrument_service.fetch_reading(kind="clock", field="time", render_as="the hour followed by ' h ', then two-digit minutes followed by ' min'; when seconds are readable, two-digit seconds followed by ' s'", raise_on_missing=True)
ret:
8 h 54 min 39 s
